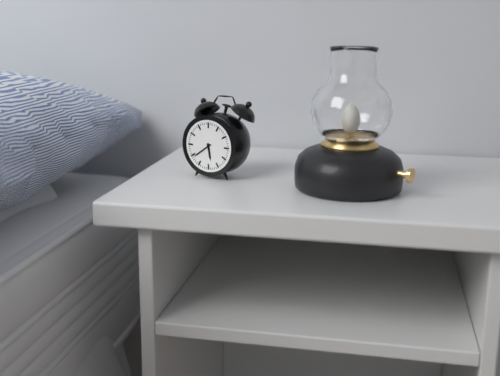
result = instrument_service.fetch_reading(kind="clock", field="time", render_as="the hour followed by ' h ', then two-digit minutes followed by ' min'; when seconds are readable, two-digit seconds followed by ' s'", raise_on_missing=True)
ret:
5 h 39 min
